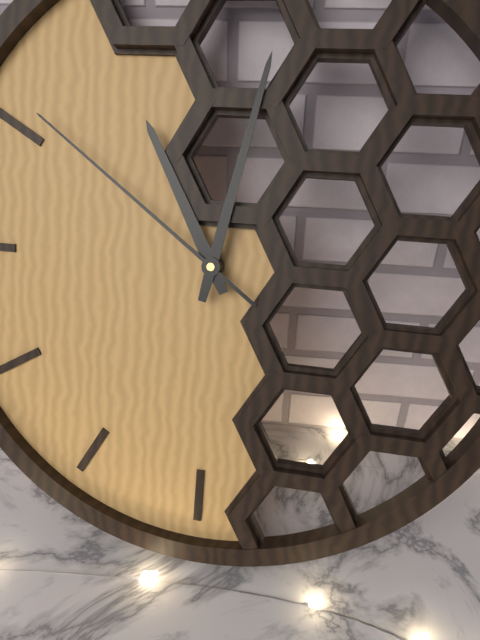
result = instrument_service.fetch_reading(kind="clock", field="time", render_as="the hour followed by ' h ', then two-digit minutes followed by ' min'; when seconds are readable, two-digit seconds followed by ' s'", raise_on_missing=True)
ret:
11 h 02 min 51 s
